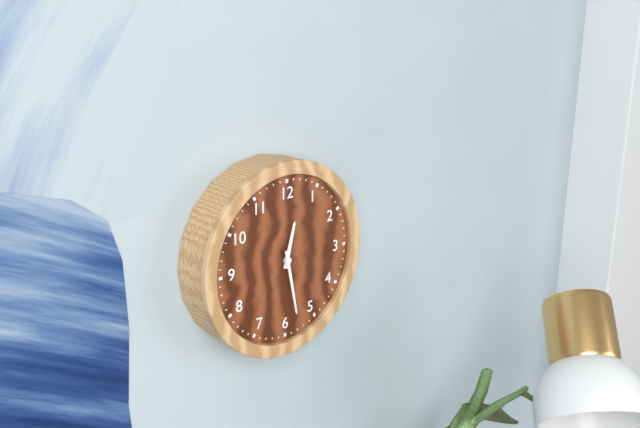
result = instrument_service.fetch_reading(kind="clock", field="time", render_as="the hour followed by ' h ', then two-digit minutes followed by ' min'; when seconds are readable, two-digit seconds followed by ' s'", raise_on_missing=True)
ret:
12 h 28 min
